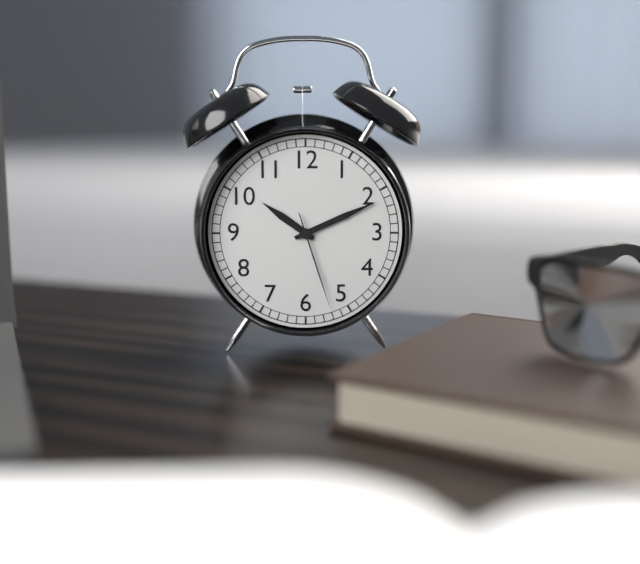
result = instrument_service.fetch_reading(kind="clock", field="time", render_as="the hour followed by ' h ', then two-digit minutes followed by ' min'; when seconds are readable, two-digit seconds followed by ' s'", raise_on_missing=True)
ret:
10 h 11 min 27 s
